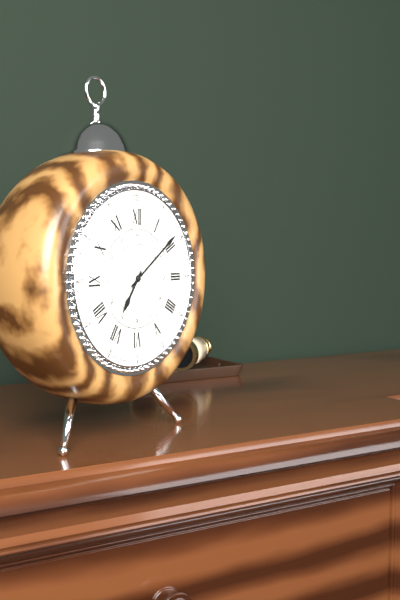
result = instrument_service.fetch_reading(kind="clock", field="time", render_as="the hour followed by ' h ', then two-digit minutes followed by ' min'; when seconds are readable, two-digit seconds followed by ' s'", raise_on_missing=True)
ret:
7 h 09 min
